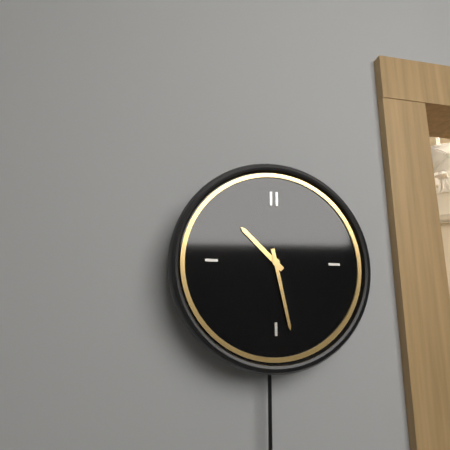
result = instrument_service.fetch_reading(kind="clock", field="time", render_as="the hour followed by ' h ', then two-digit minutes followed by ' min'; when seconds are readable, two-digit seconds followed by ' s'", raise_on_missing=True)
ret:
10 h 28 min
